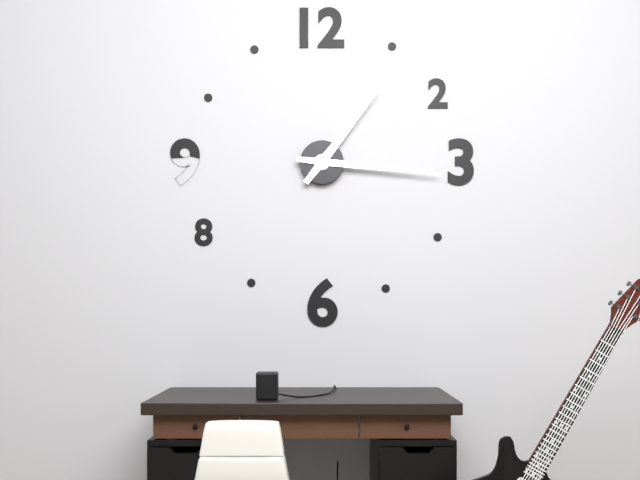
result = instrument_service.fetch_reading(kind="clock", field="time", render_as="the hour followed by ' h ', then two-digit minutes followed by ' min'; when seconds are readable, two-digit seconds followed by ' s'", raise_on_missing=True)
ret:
1 h 16 min
